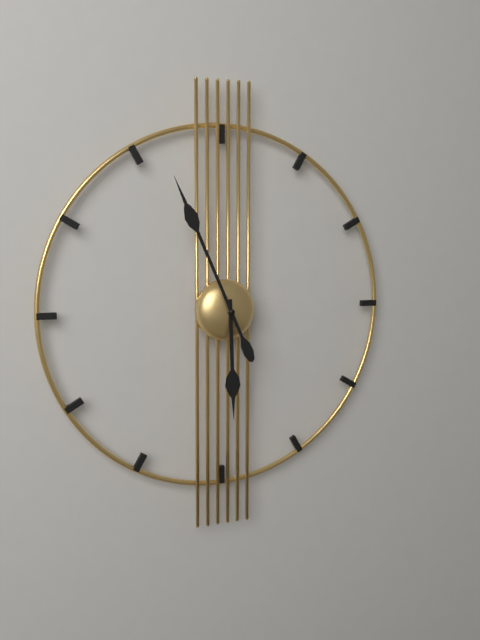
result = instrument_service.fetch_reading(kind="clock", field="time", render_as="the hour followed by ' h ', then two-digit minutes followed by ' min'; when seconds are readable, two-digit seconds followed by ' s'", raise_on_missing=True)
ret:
5 h 56 min
